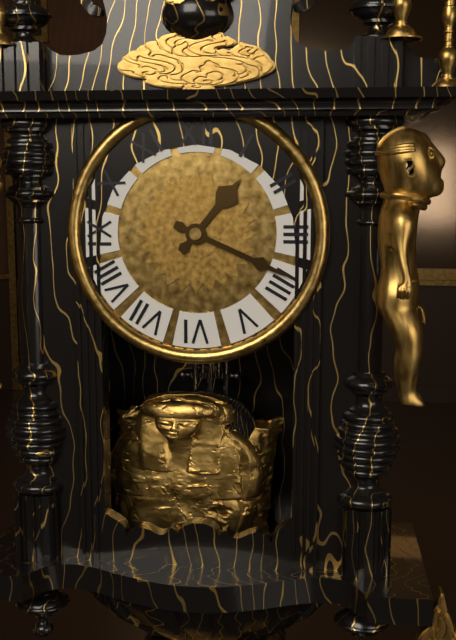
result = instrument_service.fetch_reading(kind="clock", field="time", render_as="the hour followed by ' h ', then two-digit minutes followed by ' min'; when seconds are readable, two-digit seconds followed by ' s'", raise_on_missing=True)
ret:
1 h 19 min
